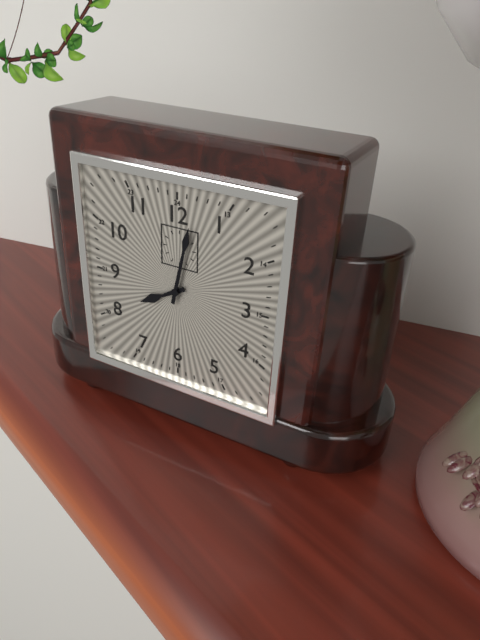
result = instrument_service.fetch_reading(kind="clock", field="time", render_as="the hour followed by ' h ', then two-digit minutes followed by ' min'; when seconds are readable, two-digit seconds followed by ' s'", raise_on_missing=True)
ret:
8 h 02 min
